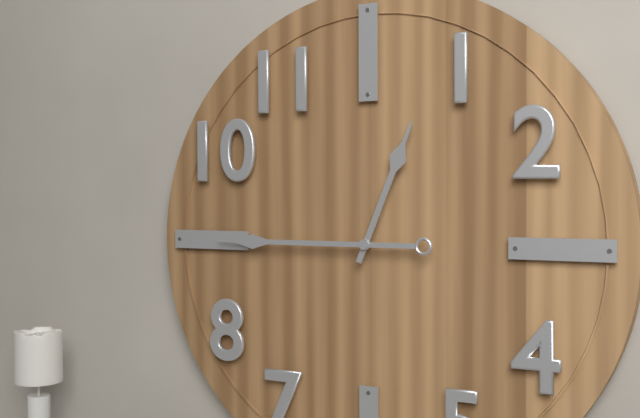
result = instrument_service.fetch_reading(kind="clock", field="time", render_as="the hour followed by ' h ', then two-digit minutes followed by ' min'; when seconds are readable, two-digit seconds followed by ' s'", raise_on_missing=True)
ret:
12 h 45 min
